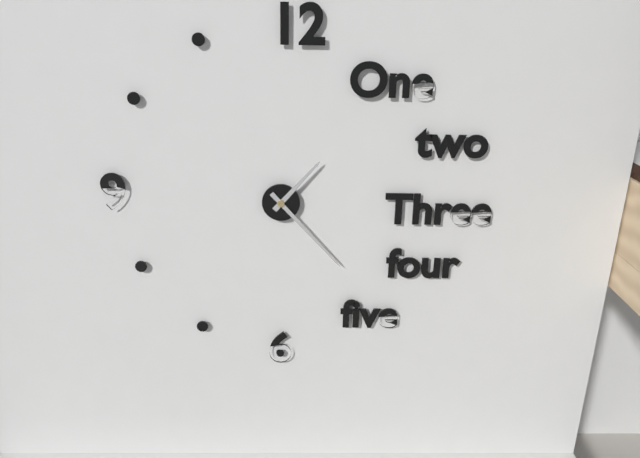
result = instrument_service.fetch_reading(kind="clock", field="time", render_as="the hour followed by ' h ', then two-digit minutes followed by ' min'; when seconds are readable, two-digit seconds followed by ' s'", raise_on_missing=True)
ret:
1 h 23 min
